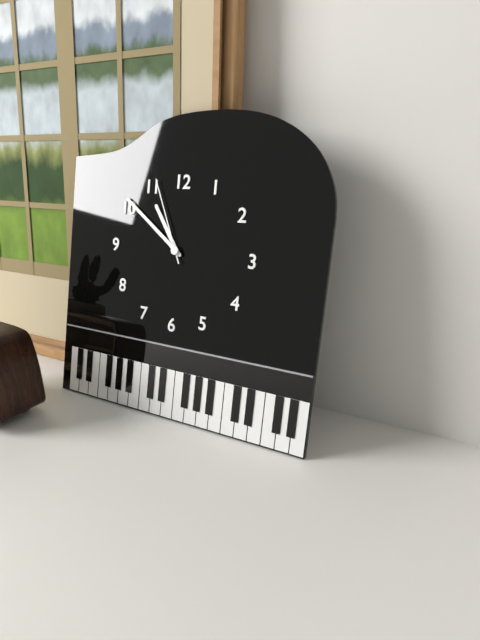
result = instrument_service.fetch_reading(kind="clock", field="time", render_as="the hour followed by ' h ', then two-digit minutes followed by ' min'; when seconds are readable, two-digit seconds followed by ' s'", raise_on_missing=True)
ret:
10 h 51 min 56 s
